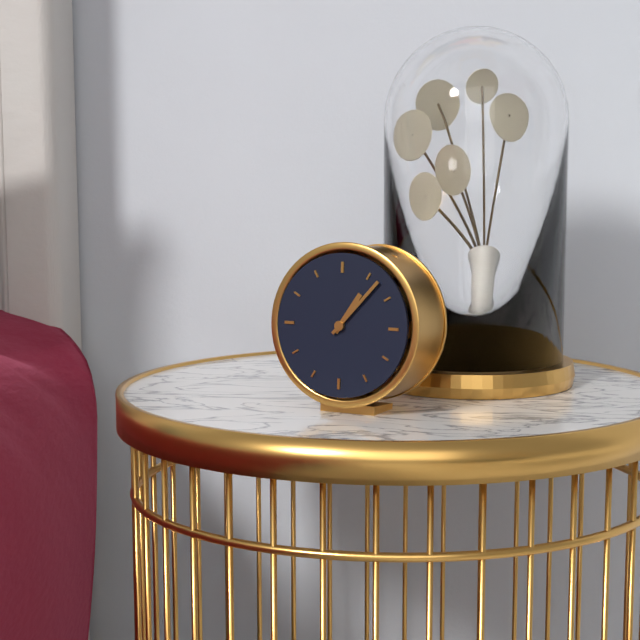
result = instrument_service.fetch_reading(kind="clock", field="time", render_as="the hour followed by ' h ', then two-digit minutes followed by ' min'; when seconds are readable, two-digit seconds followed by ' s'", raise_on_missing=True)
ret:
1 h 07 min
